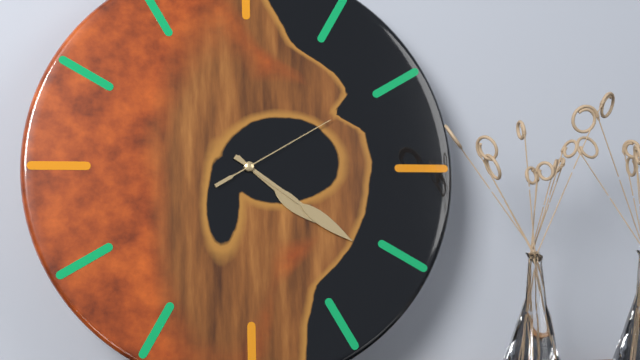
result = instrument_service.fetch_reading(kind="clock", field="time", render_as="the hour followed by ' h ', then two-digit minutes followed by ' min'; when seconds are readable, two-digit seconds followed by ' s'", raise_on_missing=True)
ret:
4 h 21 min 10 s
